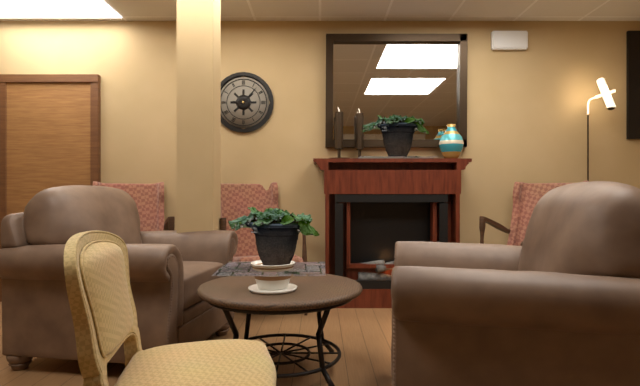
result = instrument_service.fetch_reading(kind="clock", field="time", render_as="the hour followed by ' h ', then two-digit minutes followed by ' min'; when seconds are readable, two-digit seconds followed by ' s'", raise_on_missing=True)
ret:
9 h 07 min
